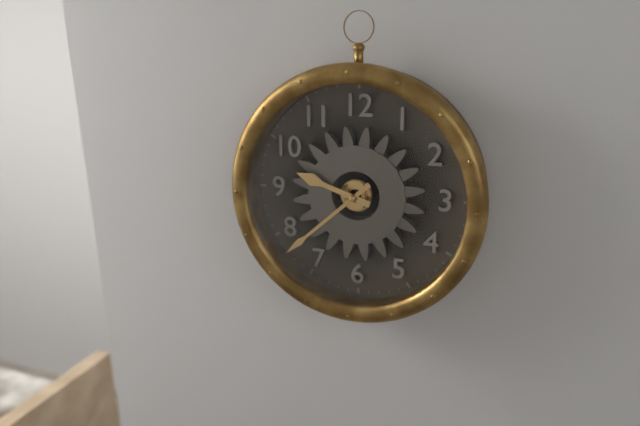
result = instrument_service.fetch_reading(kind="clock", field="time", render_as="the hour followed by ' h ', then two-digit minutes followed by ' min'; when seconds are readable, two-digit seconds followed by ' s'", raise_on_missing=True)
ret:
9 h 38 min
